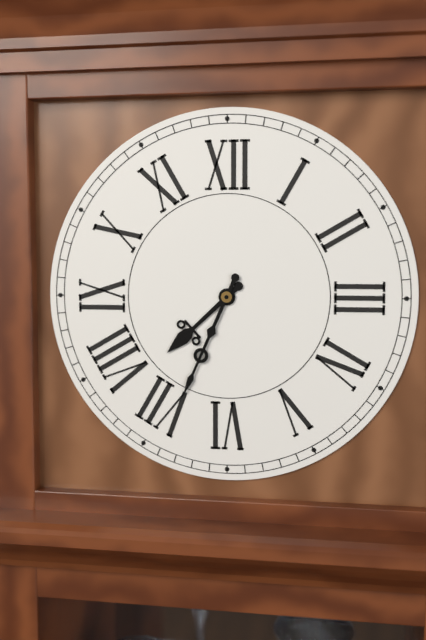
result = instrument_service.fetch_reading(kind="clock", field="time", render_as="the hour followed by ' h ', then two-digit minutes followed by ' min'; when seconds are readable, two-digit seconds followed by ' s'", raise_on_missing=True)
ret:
7 h 34 min
